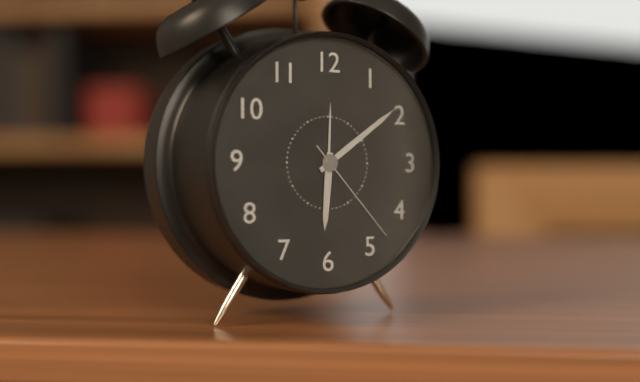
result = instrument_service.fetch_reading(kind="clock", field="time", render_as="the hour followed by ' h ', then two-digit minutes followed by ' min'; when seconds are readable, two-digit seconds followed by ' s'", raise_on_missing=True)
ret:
6 h 09 min 23 s
